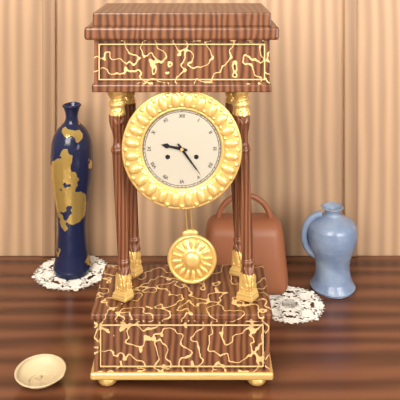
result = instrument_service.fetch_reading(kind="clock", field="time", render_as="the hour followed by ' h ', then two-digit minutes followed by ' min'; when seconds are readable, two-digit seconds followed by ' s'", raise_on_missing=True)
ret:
9 h 24 min
